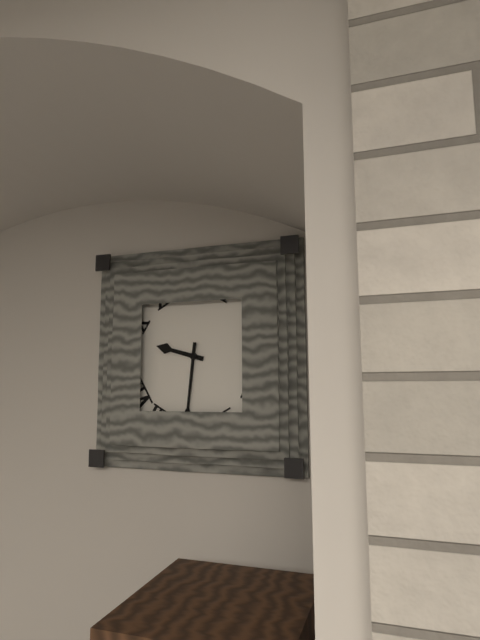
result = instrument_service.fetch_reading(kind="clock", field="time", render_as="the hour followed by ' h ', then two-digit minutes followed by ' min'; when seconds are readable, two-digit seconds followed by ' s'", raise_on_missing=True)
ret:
9 h 31 min
